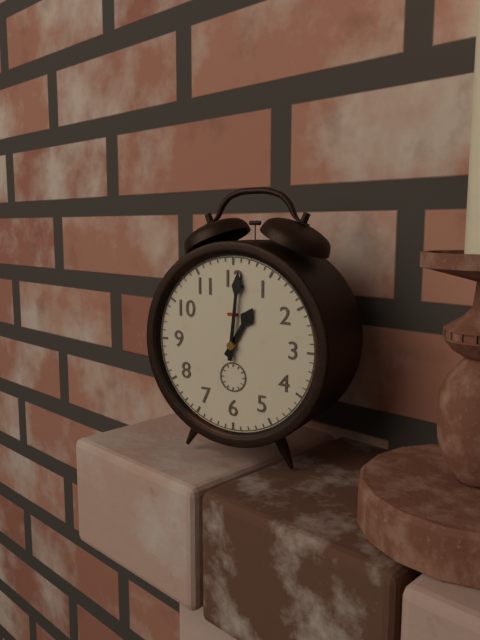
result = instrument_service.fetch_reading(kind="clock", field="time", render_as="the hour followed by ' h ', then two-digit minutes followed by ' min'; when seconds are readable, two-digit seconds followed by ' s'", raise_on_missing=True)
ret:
1 h 01 min
